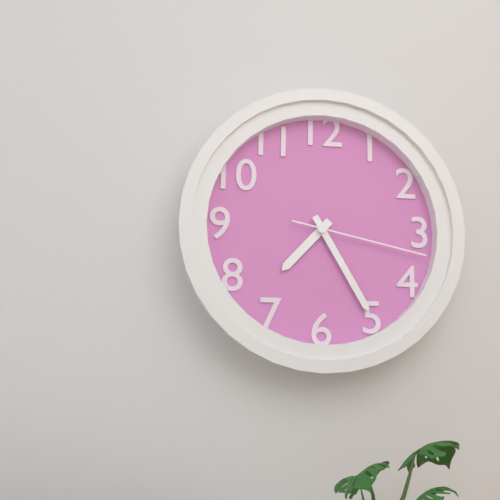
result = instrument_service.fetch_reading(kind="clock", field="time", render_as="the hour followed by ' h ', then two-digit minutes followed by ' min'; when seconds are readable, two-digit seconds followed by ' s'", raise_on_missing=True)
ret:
7 h 25 min 17 s
